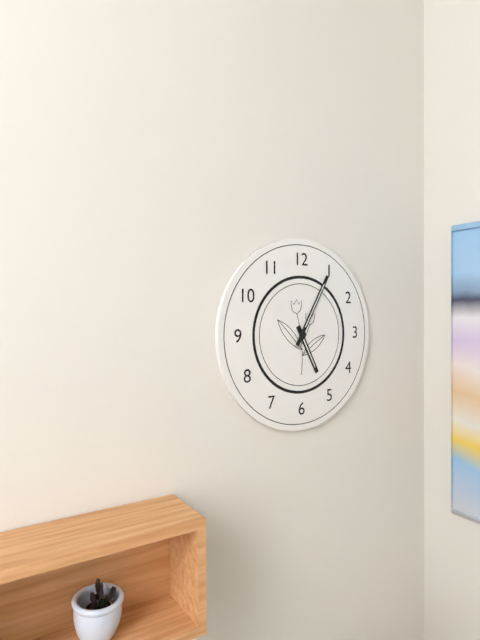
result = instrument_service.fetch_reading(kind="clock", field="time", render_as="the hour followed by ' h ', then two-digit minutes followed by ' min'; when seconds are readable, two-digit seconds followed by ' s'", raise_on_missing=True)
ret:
5 h 05 min
